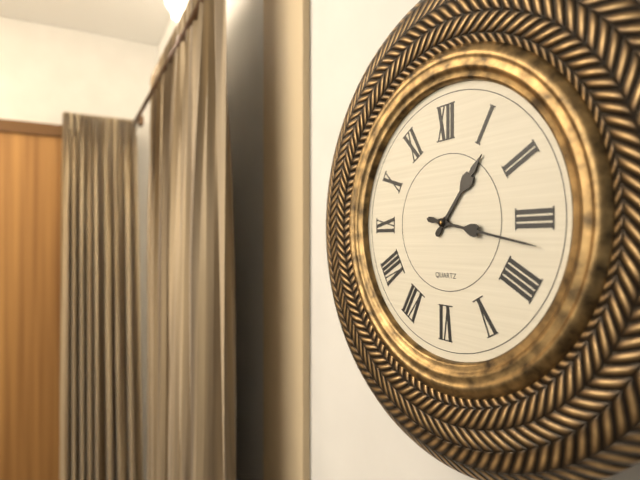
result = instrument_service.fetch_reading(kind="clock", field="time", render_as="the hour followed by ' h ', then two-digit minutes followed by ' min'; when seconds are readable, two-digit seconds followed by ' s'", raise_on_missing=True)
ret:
1 h 17 min
